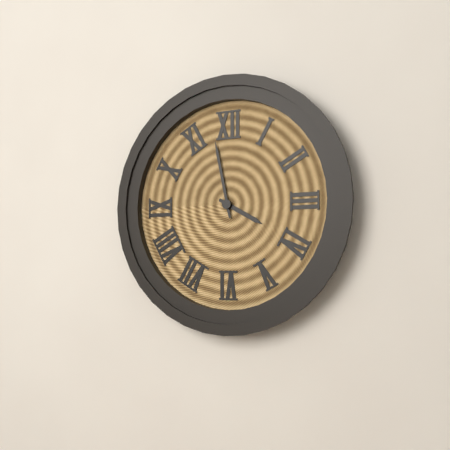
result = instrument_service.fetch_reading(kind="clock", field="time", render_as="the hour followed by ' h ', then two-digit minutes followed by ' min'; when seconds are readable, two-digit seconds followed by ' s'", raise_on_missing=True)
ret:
3 h 58 min
